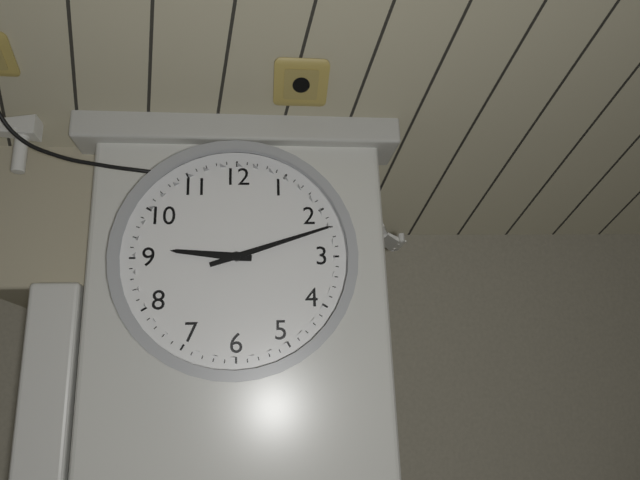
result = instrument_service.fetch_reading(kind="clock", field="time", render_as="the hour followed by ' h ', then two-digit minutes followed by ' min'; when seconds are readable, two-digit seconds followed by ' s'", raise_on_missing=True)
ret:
9 h 12 min
